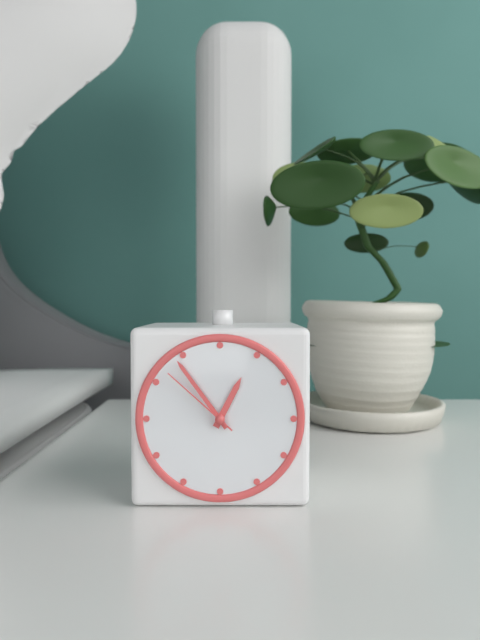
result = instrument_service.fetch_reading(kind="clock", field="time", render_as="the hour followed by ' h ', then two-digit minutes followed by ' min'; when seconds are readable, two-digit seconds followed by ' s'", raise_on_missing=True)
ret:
12 h 54 min 52 s
